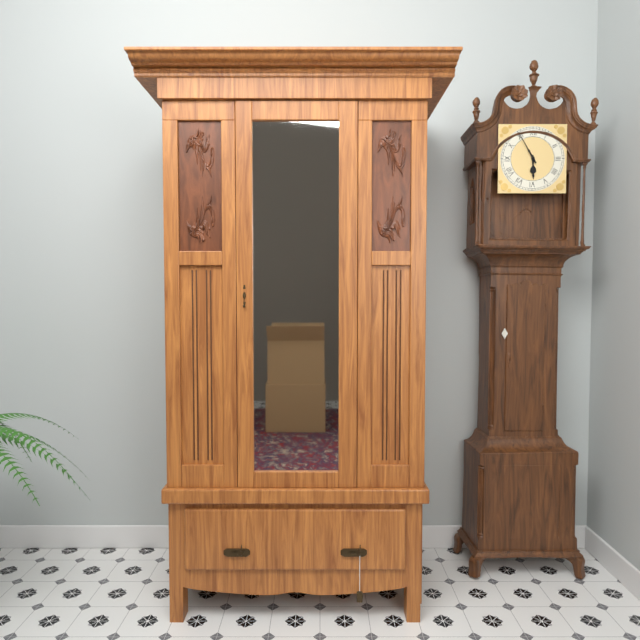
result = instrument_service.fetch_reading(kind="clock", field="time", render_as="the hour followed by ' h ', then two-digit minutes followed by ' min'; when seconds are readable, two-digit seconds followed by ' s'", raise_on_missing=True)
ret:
5 h 55 min
